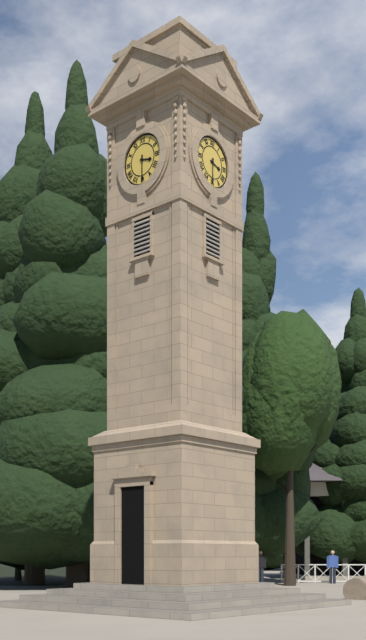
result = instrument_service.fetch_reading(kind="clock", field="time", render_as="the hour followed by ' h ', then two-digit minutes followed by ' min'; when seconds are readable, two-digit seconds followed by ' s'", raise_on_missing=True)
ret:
3 h 30 min
